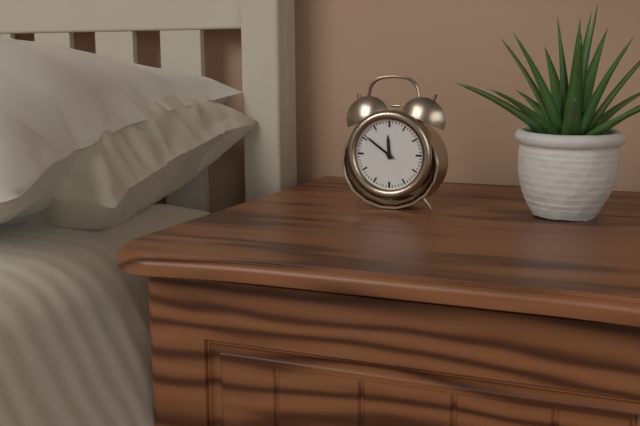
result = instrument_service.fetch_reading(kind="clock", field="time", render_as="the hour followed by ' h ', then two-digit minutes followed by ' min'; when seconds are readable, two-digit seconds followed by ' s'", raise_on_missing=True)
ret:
11 h 51 min
